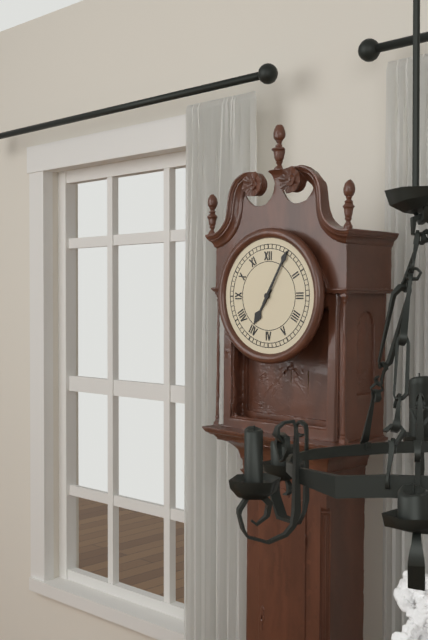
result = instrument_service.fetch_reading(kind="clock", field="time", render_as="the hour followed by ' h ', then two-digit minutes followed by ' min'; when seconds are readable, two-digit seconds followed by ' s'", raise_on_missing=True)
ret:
7 h 05 min
